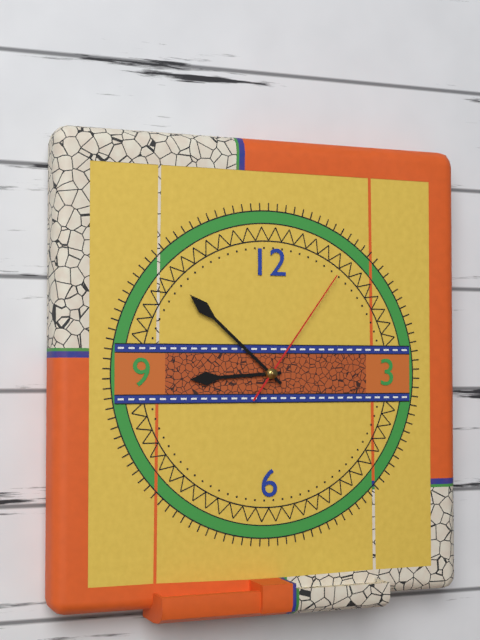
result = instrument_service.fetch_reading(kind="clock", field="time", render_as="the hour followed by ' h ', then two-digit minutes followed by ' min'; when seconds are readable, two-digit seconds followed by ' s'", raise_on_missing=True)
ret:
8 h 52 min 06 s
